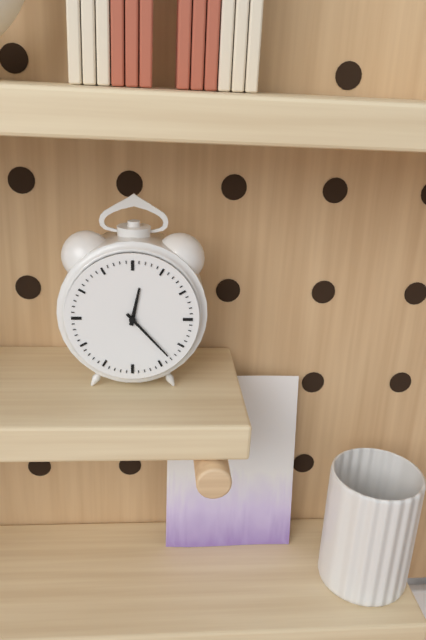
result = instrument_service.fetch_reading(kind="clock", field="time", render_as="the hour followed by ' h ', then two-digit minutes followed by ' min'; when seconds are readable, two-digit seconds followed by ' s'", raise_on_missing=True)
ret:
12 h 23 min
